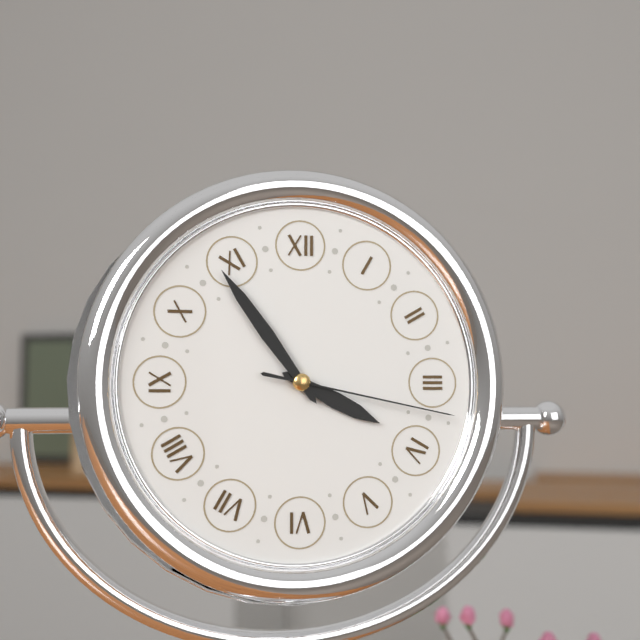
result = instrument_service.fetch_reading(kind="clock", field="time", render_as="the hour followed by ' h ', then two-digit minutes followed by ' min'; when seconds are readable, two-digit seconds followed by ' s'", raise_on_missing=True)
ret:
3 h 54 min 17 s
